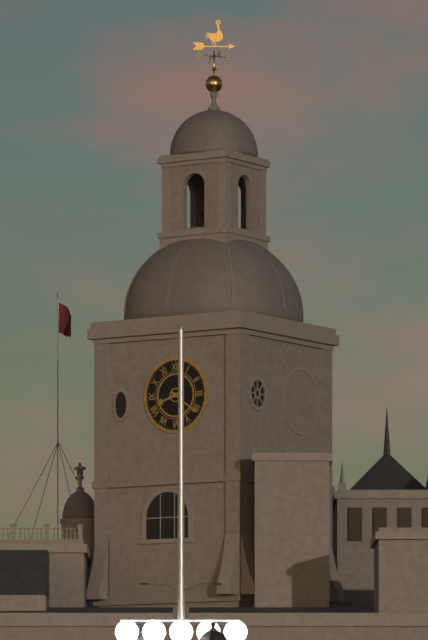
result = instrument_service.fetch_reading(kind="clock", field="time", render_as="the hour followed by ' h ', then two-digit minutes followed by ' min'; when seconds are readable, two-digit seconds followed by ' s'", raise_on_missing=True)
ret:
8 h 21 min
